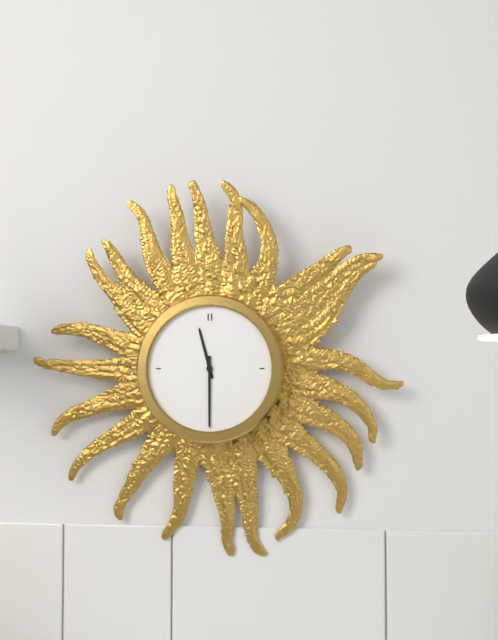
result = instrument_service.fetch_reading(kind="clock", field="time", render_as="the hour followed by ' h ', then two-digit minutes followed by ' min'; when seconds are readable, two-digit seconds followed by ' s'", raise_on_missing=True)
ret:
11 h 30 min
